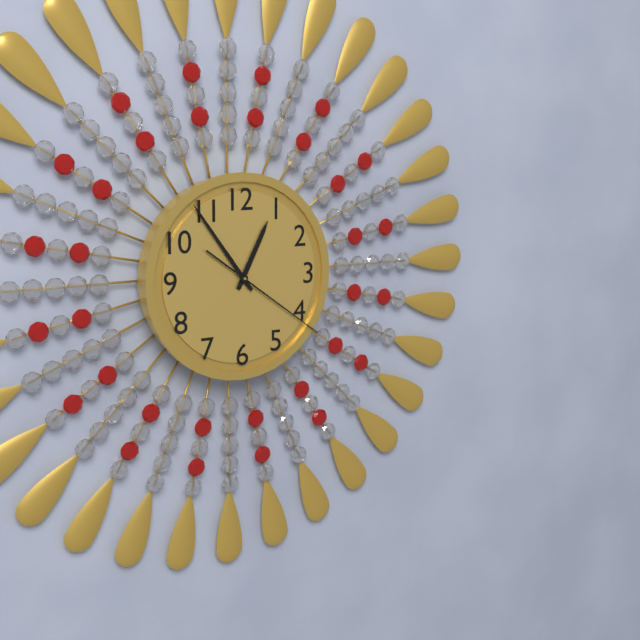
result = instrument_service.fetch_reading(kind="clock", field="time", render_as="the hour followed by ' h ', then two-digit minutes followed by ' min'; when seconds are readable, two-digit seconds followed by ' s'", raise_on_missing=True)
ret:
12 h 54 min 21 s
